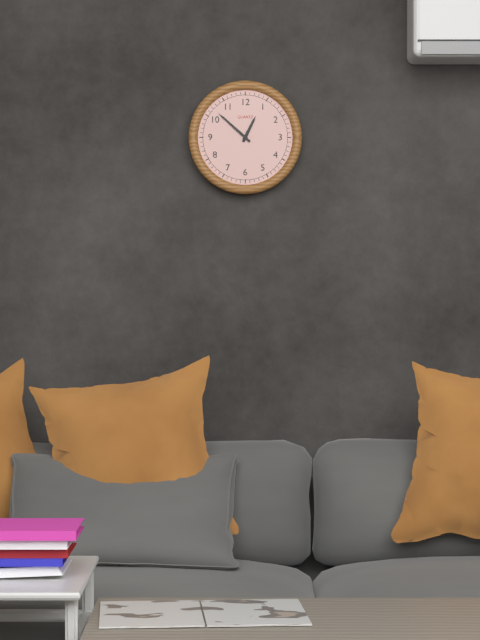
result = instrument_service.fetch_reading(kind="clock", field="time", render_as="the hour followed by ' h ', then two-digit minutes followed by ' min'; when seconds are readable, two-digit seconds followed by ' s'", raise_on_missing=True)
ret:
12 h 52 min
